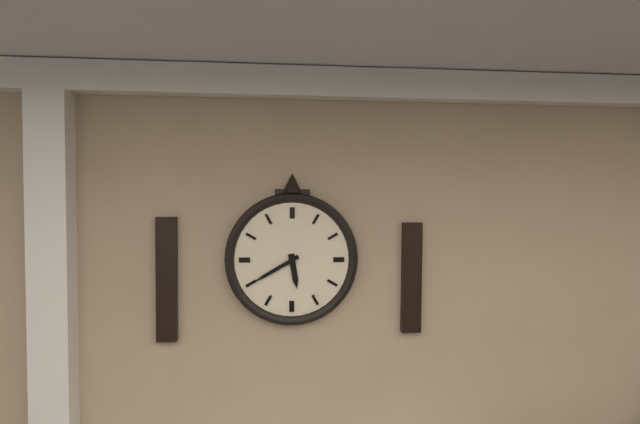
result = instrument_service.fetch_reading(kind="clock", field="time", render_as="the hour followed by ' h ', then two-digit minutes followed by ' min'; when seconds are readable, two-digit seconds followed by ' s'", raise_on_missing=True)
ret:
5 h 40 min
